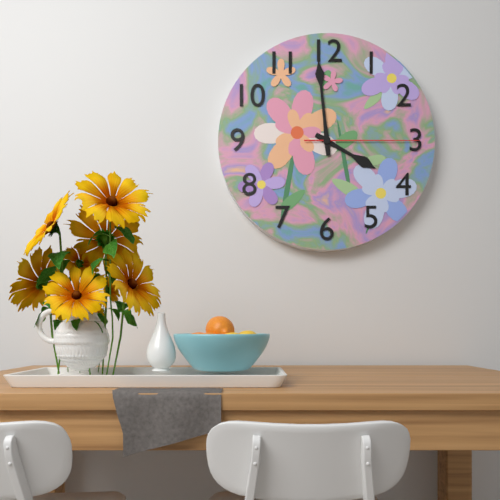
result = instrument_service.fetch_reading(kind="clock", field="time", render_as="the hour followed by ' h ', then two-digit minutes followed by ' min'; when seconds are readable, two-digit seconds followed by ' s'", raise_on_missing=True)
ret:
3 h 59 min 15 s
